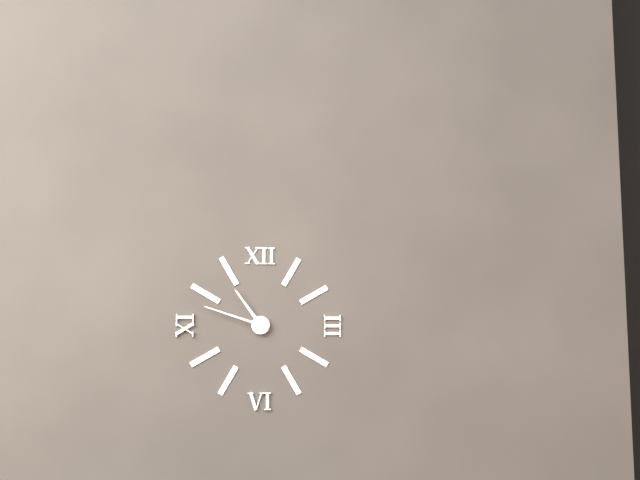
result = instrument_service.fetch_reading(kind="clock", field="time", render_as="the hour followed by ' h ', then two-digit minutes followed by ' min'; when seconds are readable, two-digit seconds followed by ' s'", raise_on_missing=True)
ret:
10 h 48 min
